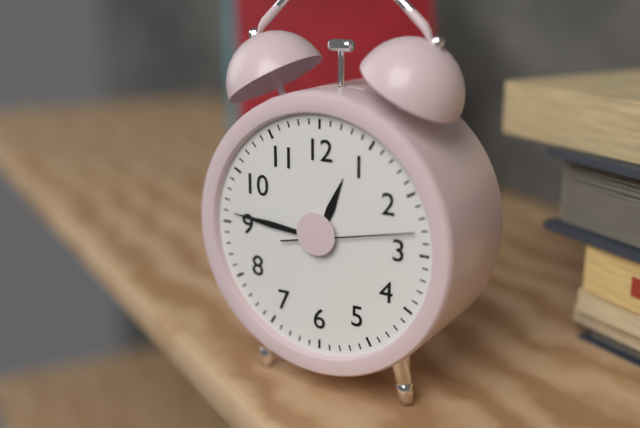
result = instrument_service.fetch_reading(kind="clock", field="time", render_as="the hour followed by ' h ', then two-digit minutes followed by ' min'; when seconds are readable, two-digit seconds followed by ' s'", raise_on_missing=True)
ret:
12 h 46 min 13 s
